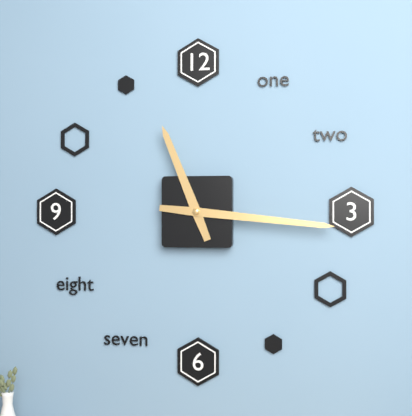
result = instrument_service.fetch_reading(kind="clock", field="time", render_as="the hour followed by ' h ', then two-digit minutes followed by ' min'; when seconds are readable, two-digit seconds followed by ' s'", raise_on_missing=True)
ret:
11 h 16 min
